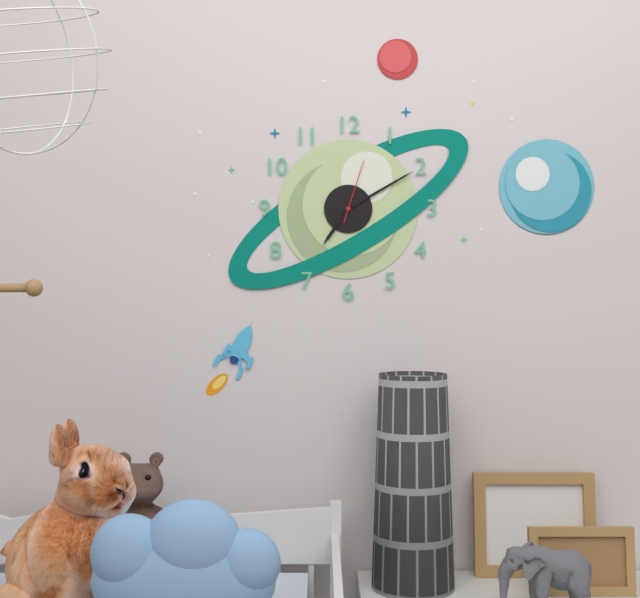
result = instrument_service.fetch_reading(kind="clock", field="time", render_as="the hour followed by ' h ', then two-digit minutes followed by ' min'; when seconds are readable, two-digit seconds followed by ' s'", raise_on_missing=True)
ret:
7 h 10 min 03 s
